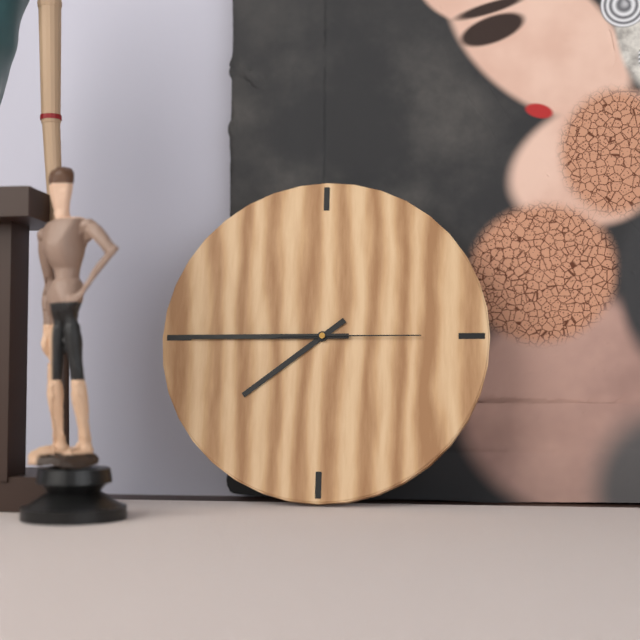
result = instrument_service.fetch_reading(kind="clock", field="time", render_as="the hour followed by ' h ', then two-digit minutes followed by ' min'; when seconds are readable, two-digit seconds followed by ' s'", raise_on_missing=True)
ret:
7 h 45 min 15 s
